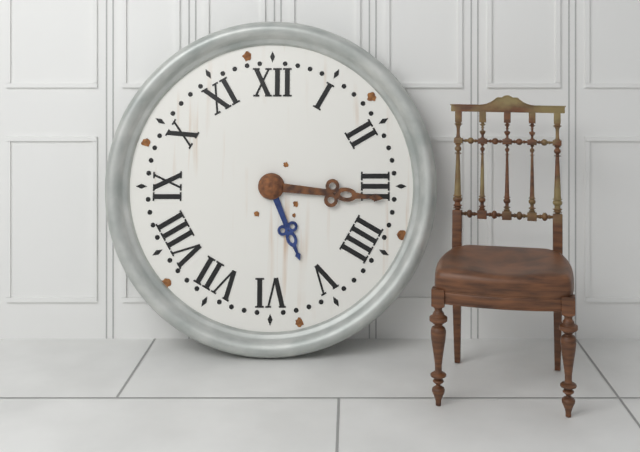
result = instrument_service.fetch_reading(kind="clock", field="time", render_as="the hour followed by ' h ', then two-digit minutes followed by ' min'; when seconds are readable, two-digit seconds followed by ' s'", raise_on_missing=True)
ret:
5 h 16 min
